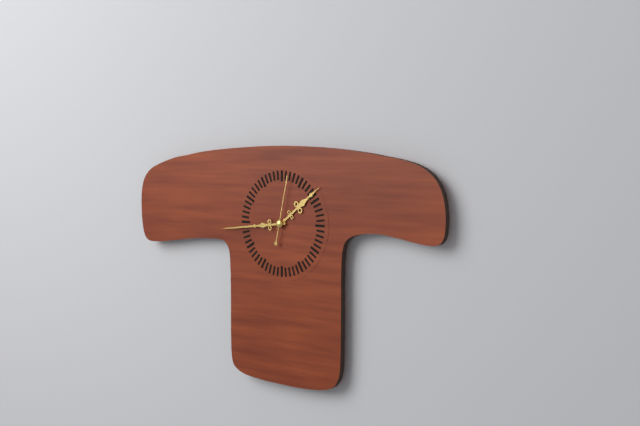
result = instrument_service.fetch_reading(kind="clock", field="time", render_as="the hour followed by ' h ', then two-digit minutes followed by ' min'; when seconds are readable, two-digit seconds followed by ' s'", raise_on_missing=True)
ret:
1 h 44 min 02 s
